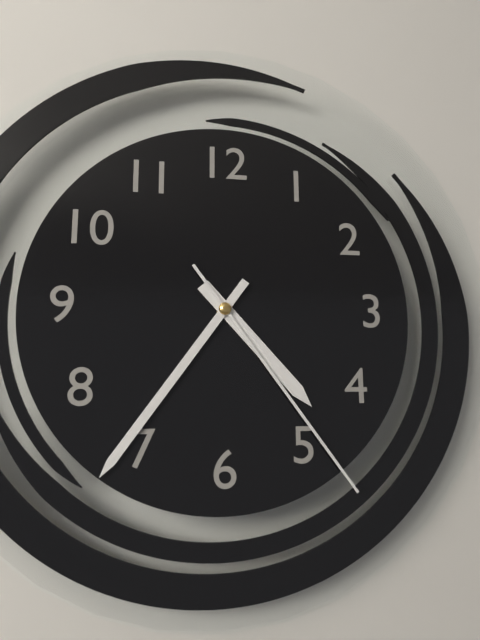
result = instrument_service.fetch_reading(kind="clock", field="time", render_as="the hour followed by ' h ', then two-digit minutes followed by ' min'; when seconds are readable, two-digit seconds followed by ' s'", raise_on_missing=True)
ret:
4 h 36 min 24 s
